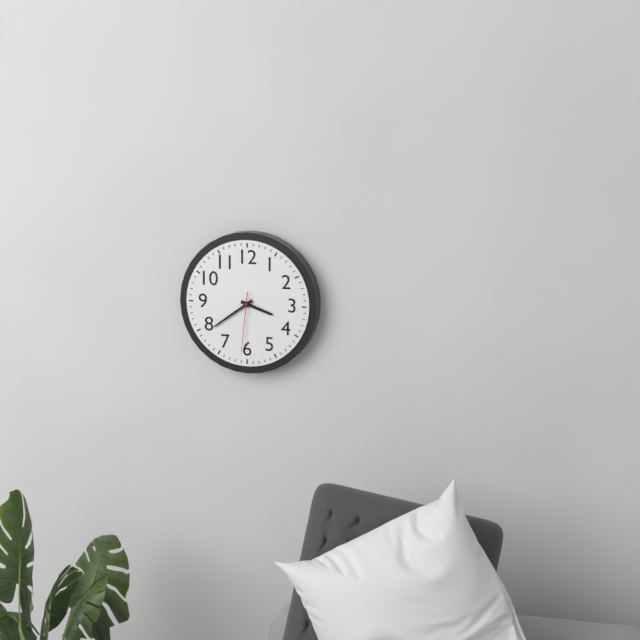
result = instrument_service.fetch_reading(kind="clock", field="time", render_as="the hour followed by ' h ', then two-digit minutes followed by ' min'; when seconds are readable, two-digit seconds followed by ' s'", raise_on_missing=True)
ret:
3 h 39 min 31 s
